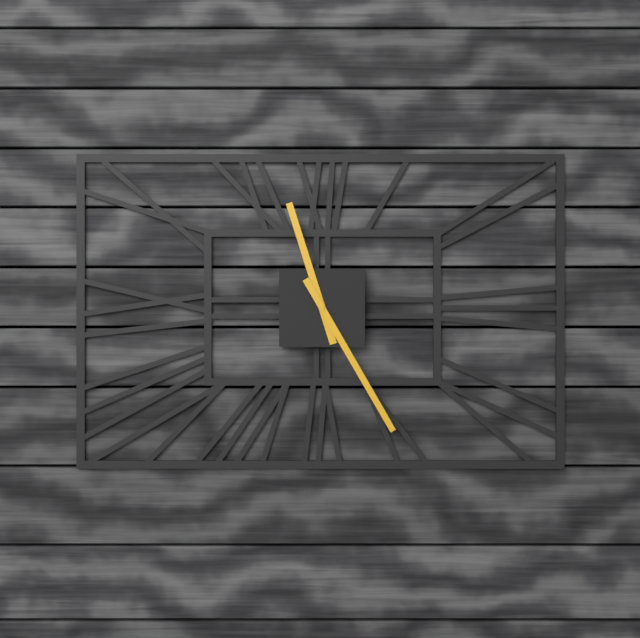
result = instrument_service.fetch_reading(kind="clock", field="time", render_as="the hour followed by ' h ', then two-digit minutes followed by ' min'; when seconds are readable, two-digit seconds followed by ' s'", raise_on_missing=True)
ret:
11 h 25 min
